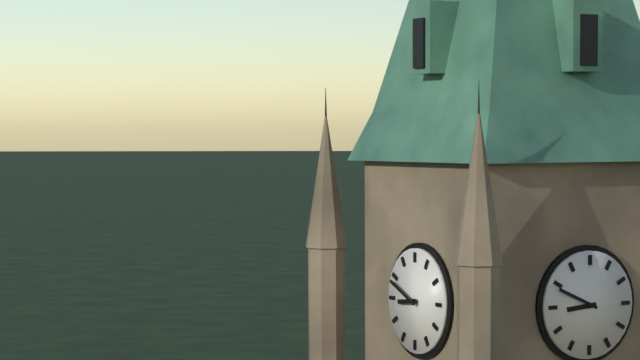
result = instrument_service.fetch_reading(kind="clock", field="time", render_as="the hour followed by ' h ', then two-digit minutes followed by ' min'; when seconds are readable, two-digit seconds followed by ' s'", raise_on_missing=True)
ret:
8 h 49 min
